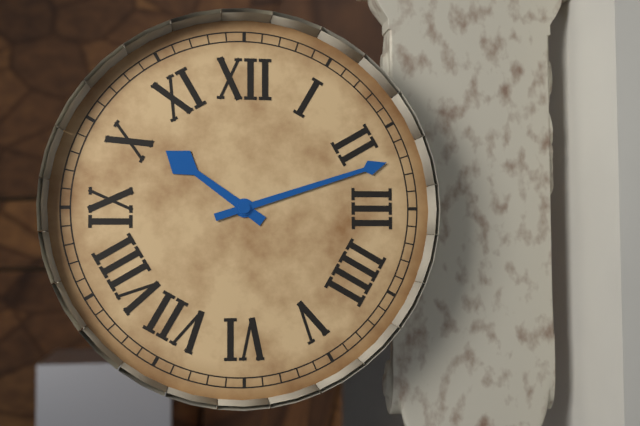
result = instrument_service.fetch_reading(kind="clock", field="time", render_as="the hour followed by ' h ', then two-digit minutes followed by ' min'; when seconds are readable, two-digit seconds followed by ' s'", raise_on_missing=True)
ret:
10 h 12 min
